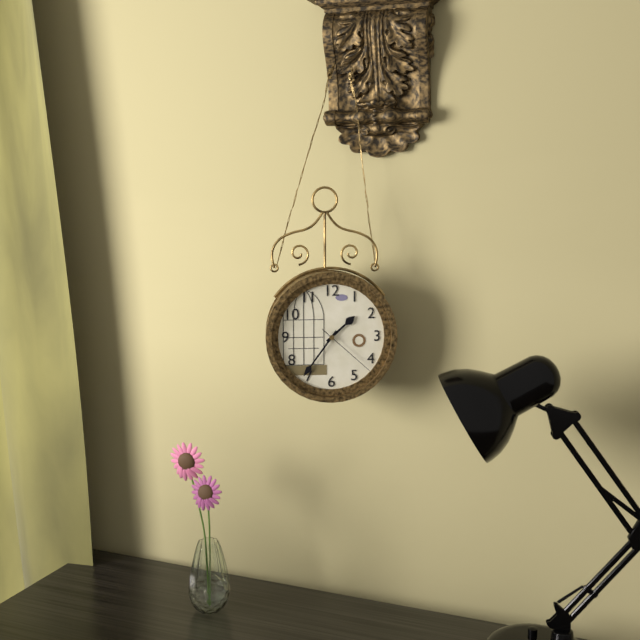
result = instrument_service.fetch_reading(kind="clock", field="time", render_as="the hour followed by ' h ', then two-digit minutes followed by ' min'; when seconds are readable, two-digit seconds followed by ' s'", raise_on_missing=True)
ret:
1 h 36 min 22 s
